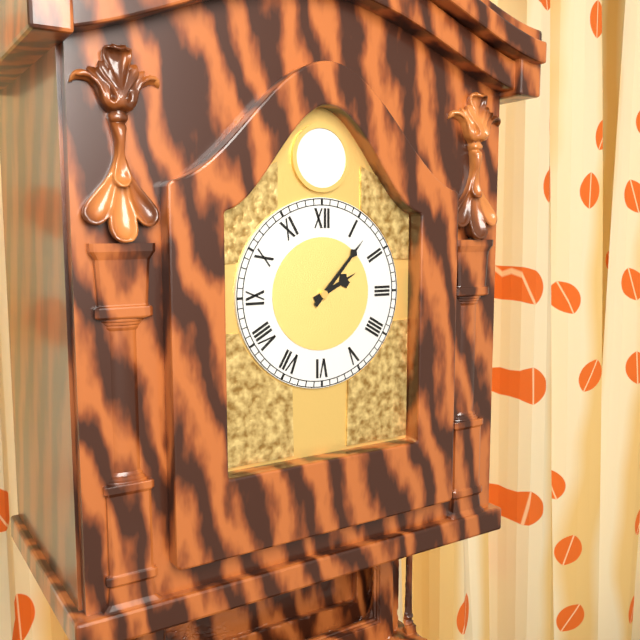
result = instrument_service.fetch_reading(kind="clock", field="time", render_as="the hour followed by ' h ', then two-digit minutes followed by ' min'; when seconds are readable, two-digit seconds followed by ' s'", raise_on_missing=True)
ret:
2 h 07 min
